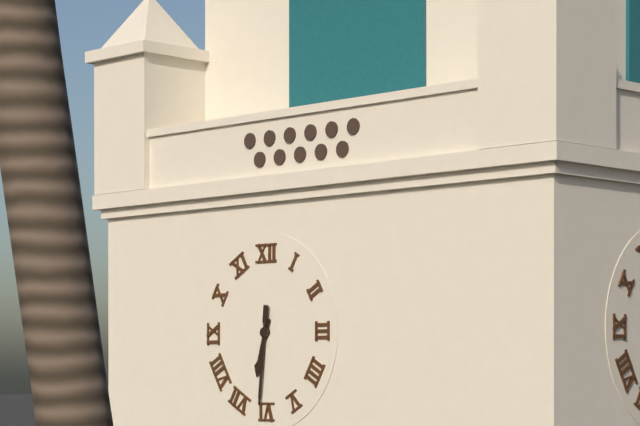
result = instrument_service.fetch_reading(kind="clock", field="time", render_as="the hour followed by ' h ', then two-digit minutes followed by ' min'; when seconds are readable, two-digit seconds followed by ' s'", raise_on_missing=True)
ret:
6 h 31 min
